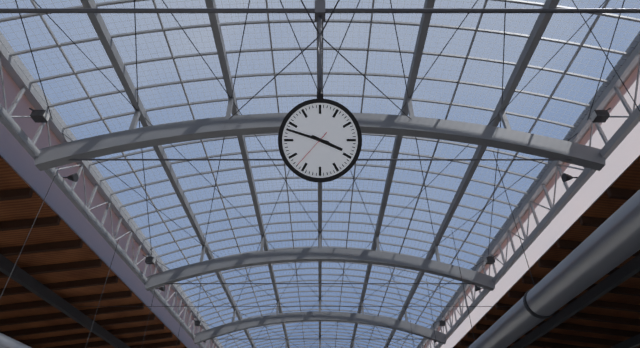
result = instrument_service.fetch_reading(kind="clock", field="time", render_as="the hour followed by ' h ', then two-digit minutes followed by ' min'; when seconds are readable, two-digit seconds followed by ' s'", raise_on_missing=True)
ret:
3 h 48 min
